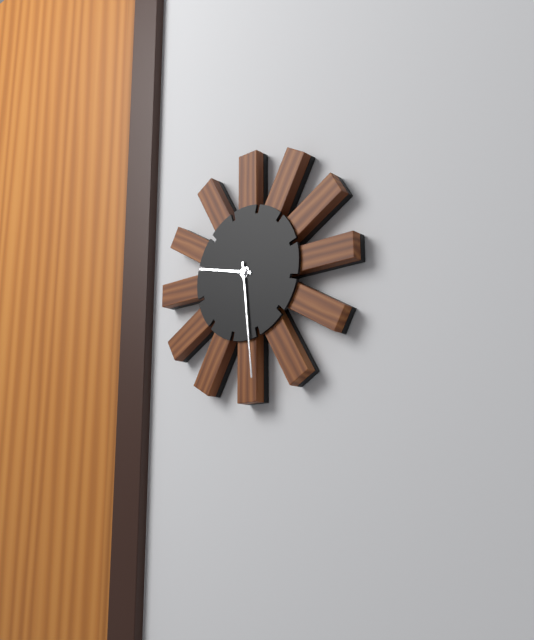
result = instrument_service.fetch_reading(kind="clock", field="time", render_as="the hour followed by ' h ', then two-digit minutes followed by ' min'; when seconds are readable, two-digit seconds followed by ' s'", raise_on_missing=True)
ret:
9 h 29 min
